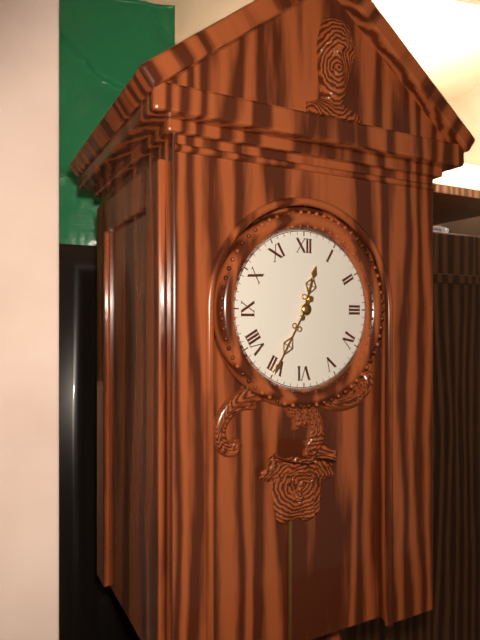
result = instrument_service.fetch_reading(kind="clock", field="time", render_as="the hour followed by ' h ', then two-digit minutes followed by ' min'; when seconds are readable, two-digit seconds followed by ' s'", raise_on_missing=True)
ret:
12 h 35 min
